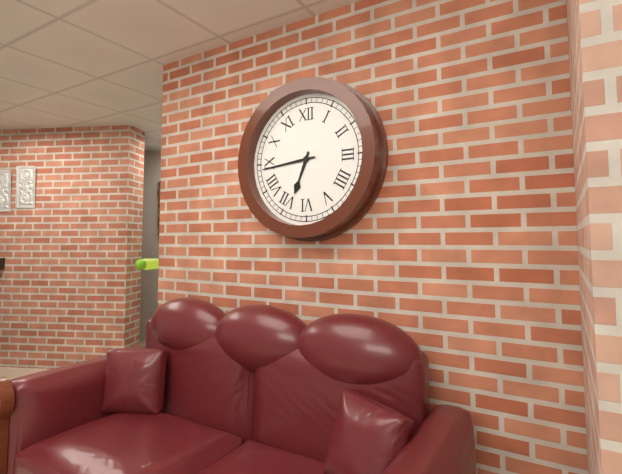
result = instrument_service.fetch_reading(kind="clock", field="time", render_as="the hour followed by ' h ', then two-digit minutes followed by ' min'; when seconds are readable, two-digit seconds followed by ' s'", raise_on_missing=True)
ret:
6 h 44 min
